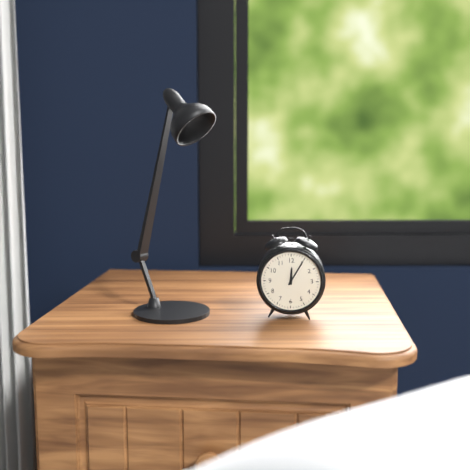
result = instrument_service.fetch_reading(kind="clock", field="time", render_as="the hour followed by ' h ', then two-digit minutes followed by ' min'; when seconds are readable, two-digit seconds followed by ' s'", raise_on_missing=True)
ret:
12 h 05 min
